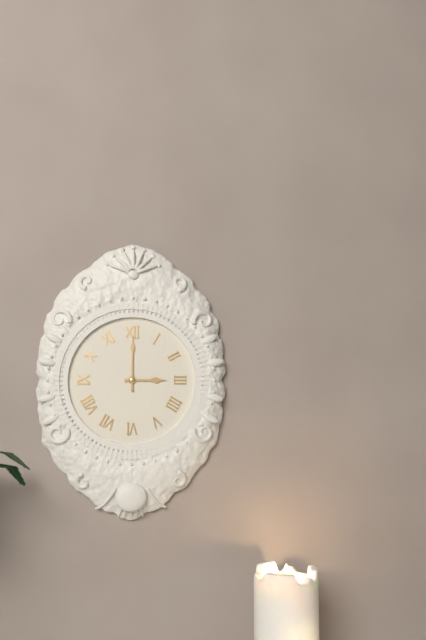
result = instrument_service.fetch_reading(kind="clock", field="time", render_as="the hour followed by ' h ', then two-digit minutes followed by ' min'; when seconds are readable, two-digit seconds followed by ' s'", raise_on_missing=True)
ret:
3 h 00 min
